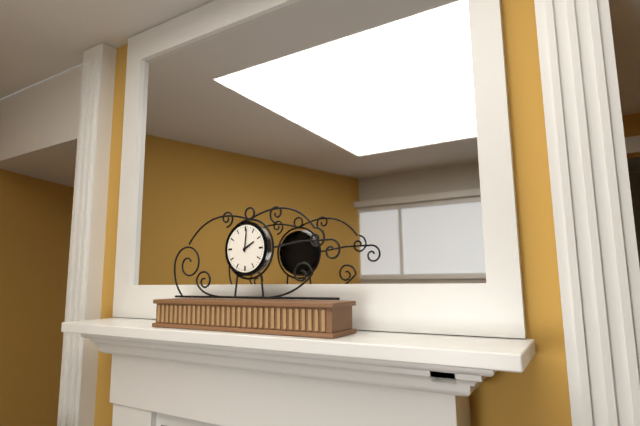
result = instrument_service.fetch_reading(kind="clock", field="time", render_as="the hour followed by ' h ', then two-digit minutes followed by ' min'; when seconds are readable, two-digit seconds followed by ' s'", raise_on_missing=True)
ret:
2 h 01 min
